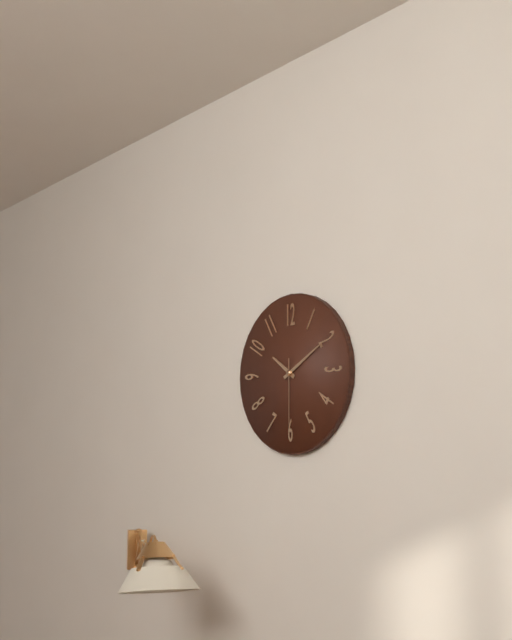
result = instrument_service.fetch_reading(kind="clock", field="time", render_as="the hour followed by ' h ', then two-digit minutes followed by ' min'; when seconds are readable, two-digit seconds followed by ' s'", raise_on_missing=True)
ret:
10 h 10 min 30 s
